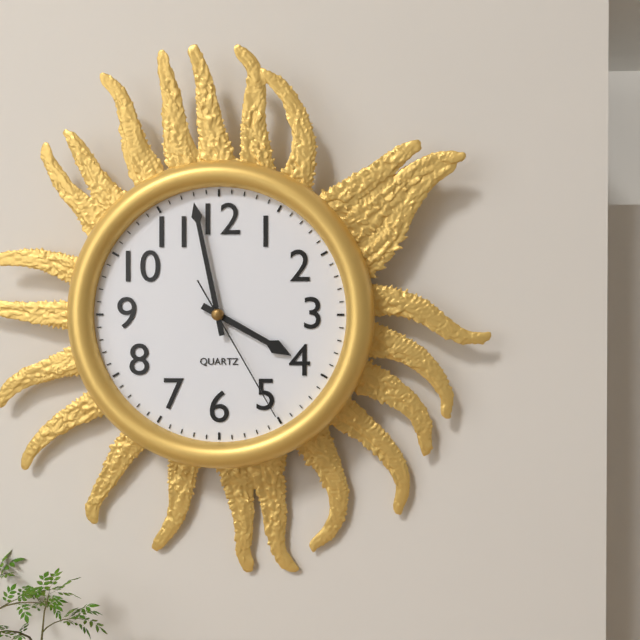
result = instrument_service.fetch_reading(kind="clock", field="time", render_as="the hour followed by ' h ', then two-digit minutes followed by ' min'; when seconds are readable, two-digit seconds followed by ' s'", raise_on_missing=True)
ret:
3 h 58 min 25 s
